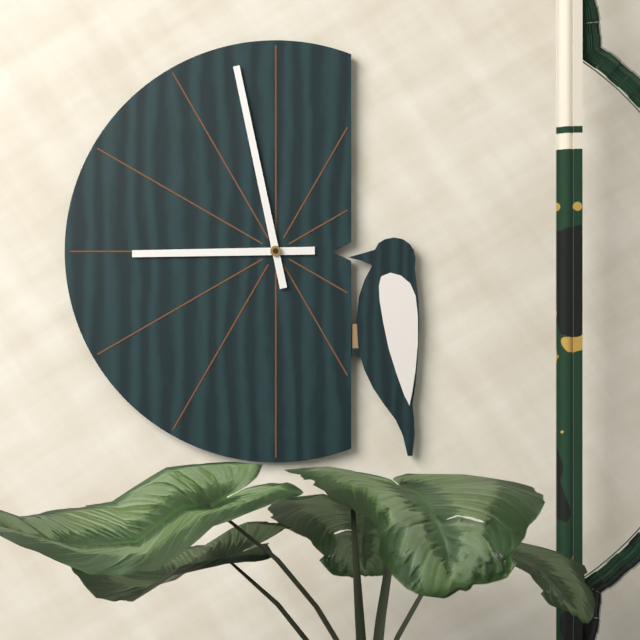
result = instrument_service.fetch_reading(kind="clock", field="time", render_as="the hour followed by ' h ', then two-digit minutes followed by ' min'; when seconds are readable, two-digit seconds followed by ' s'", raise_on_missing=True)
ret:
8 h 58 min
